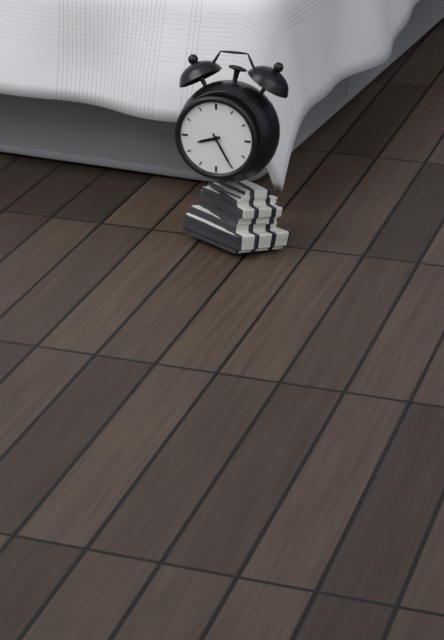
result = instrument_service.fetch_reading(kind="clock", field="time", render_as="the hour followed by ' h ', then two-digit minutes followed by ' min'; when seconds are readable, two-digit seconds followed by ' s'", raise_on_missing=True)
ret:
8 h 25 min
